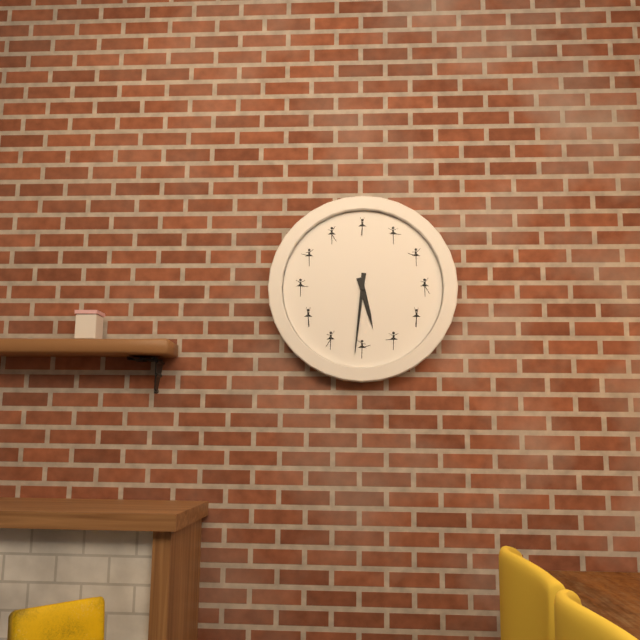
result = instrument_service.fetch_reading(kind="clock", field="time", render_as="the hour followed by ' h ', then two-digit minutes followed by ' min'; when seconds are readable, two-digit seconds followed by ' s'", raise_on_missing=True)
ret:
5 h 31 min
